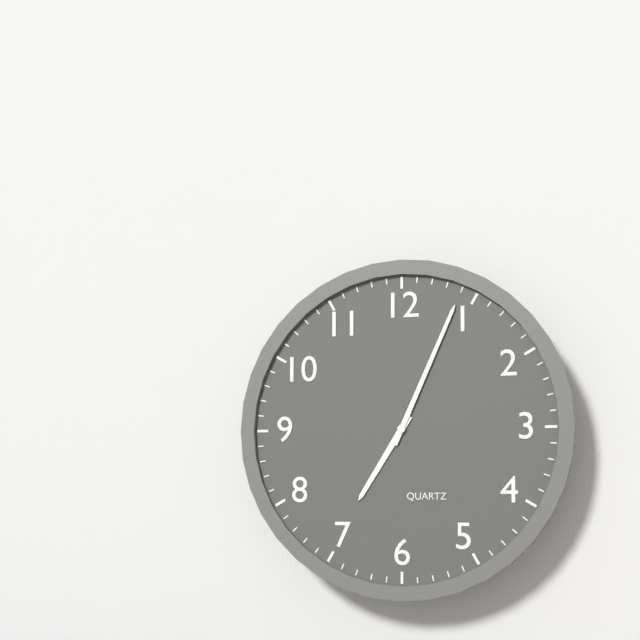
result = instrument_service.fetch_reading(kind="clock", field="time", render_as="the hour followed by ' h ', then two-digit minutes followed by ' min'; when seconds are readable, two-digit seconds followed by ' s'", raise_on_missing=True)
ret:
7 h 04 min
